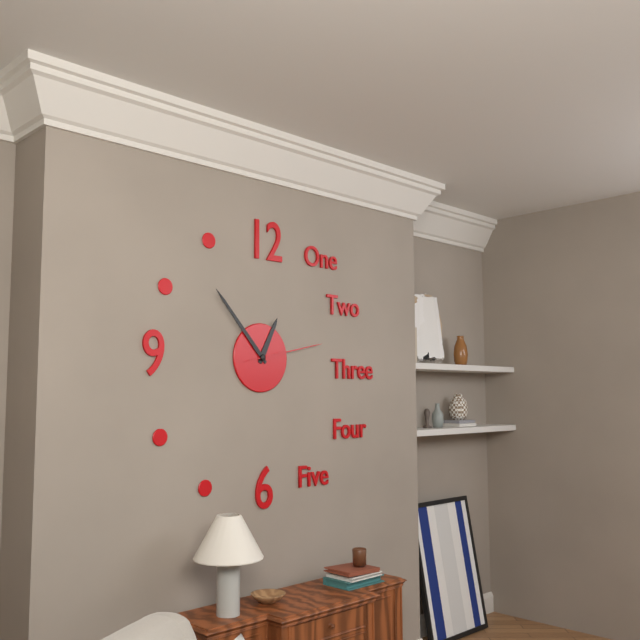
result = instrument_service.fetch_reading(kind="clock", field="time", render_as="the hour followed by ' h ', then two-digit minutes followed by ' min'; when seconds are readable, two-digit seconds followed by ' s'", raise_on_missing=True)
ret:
12 h 53 min 13 s
